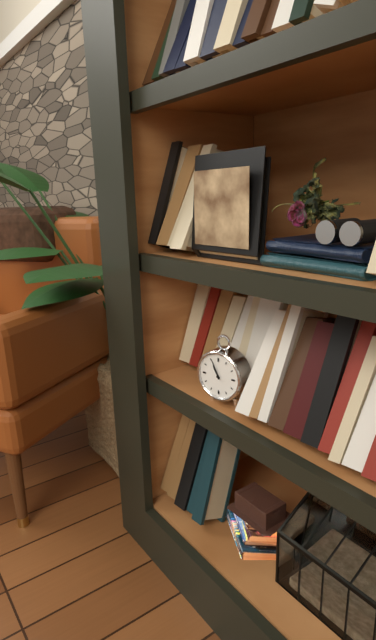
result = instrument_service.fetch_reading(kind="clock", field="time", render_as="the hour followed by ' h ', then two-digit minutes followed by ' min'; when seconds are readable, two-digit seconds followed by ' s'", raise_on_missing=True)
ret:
10 h 56 min
